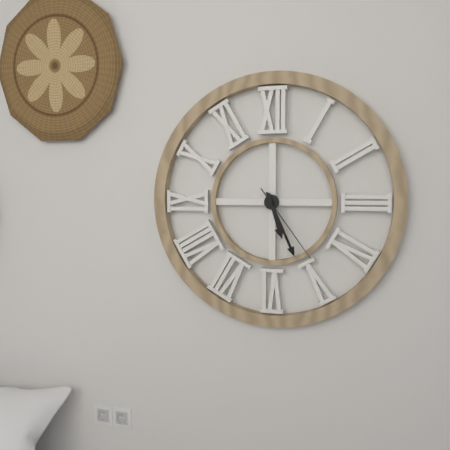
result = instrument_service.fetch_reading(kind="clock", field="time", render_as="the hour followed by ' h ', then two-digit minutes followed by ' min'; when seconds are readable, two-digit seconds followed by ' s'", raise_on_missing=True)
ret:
5 h 26 min 24 s
